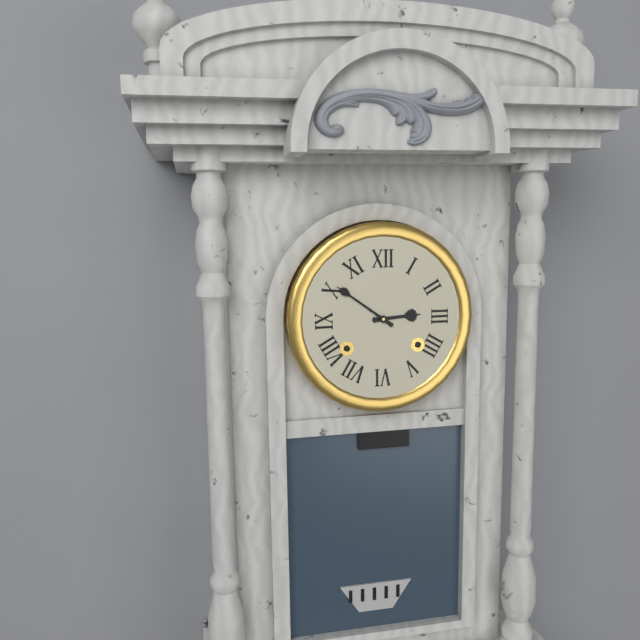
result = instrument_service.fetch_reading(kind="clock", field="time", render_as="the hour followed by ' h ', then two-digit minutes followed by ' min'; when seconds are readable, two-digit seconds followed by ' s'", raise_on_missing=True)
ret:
2 h 51 min
